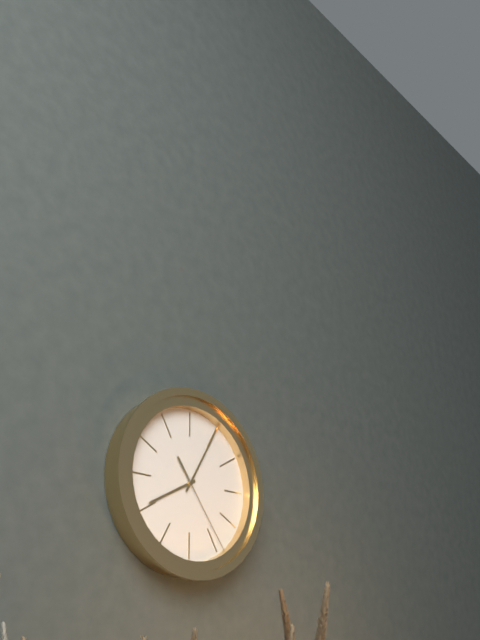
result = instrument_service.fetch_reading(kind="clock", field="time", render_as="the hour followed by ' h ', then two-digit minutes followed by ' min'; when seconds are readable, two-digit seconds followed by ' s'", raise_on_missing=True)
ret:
8 h 05 min 24 s
